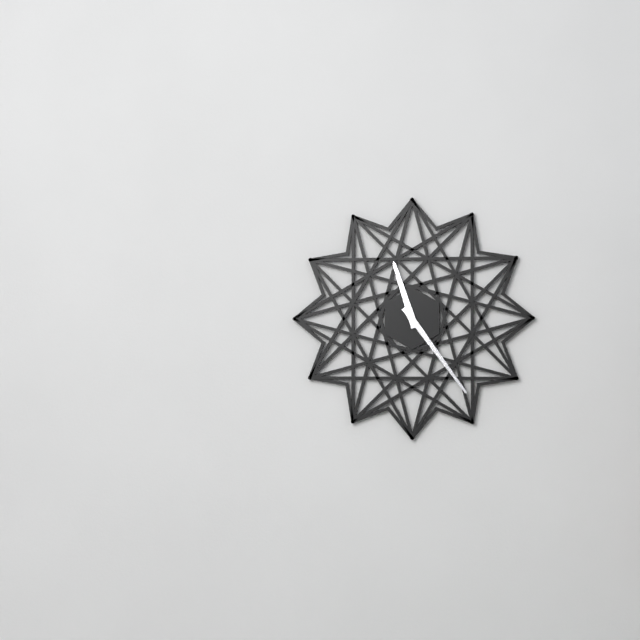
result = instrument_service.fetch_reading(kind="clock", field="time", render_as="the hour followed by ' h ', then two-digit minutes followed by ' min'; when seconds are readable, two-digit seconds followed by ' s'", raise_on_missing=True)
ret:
11 h 24 min
